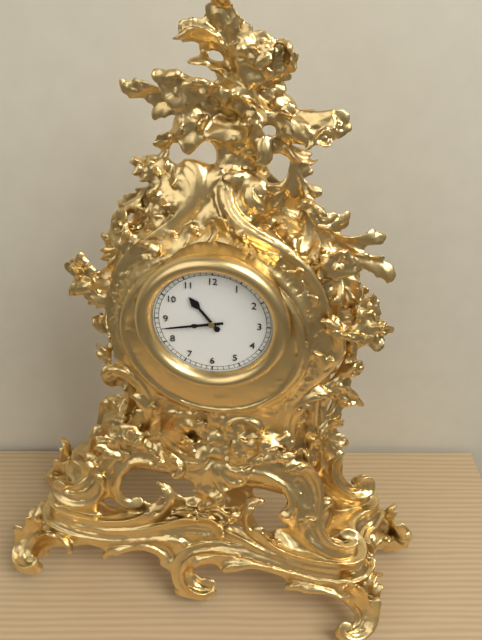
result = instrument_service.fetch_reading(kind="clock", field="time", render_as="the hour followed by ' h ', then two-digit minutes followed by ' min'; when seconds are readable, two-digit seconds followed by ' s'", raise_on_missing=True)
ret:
10 h 43 min
